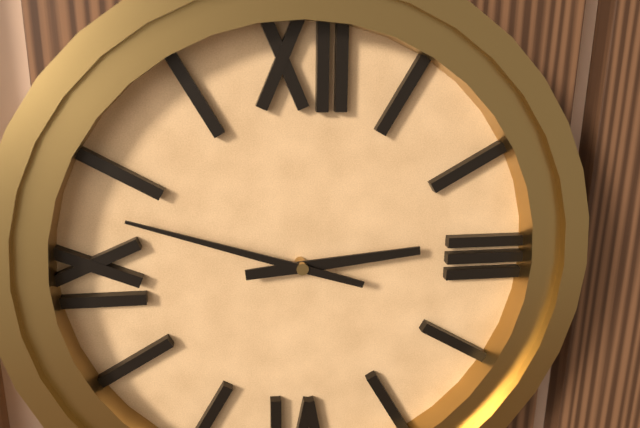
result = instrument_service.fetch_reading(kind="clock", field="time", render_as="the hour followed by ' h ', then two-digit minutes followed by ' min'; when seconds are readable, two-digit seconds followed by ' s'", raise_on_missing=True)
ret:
2 h 48 min
